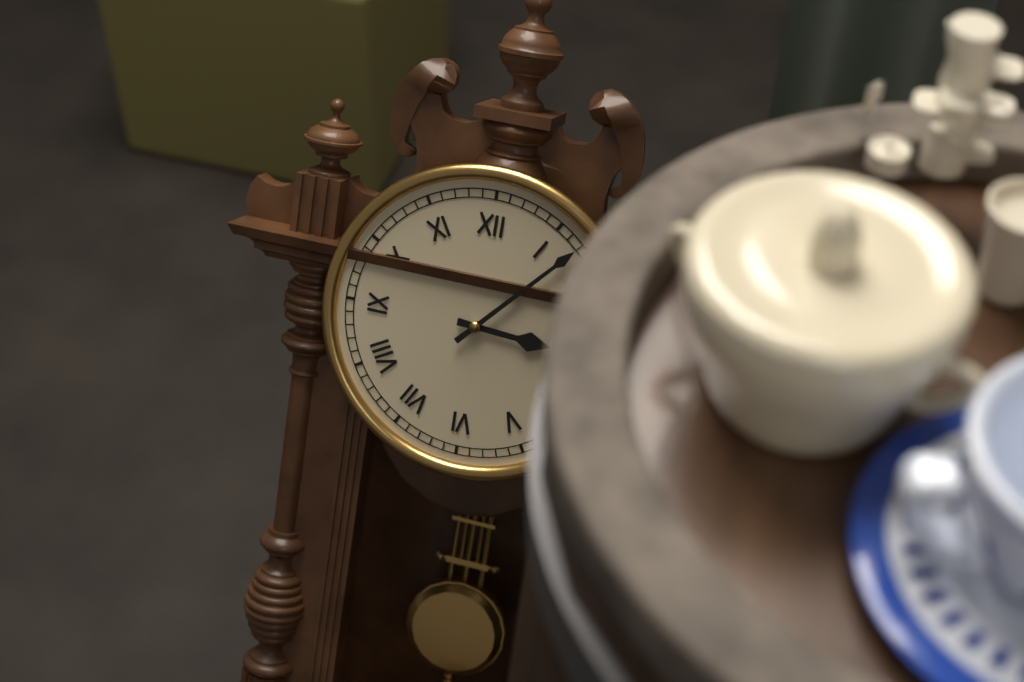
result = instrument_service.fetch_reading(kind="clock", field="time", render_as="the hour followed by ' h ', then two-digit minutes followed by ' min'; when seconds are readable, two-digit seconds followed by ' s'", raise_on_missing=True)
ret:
3 h 07 min
